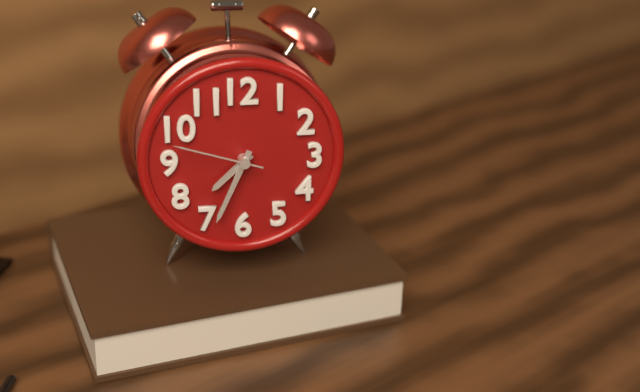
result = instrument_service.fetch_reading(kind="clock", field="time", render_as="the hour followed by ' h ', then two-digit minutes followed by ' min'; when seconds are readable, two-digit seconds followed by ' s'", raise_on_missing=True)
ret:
7 h 34 min 48 s
